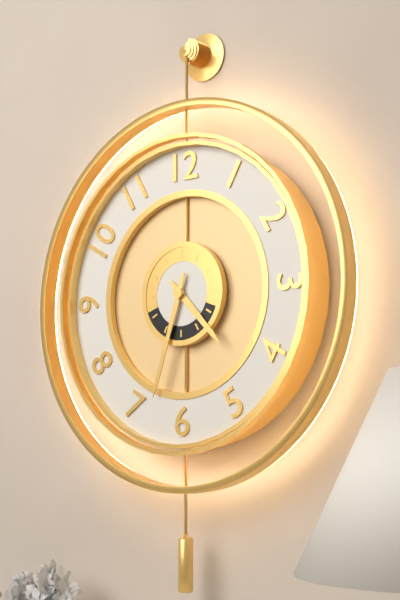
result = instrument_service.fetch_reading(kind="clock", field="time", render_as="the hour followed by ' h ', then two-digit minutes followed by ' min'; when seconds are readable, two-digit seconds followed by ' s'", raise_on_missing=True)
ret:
4 h 33 min
